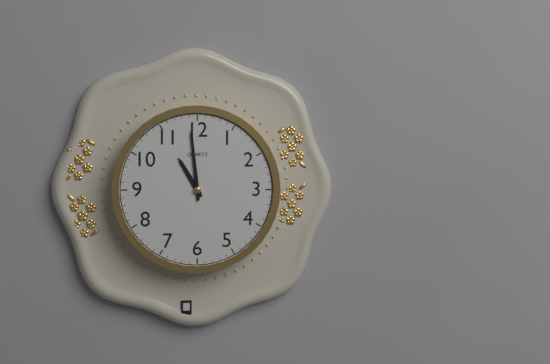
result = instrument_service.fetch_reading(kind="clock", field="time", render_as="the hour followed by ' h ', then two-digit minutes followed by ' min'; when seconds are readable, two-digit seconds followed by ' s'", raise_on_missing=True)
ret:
10 h 59 min
